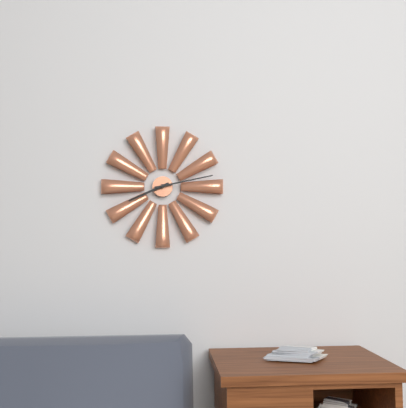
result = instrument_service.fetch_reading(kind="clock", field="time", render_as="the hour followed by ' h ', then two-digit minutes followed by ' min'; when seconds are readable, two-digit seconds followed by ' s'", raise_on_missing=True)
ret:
8 h 13 min
